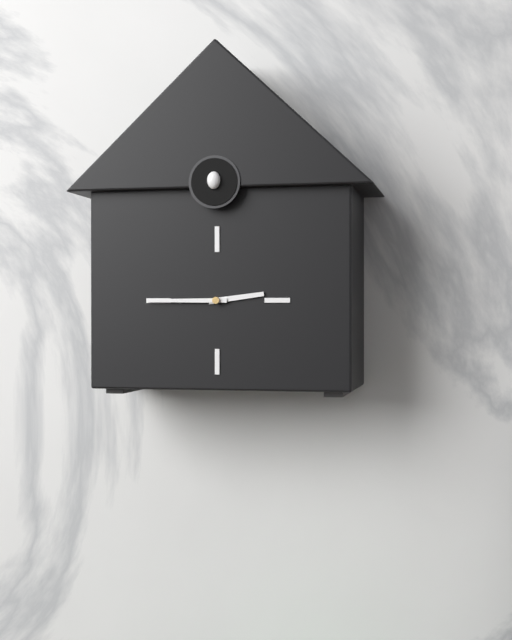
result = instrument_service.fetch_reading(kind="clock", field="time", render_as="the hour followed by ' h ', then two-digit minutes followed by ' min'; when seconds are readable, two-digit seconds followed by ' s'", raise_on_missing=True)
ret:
2 h 45 min
